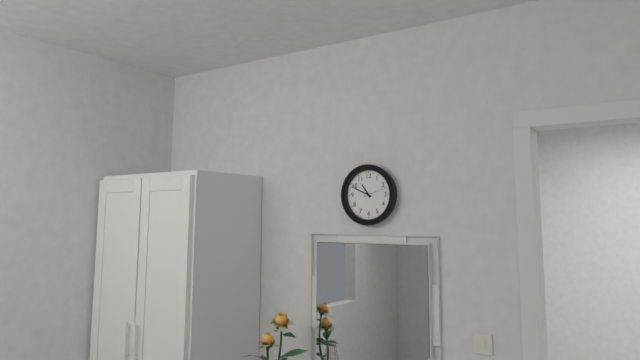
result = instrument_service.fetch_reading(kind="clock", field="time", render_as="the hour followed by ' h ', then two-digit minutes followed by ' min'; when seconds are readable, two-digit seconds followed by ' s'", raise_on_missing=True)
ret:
10 h 49 min
